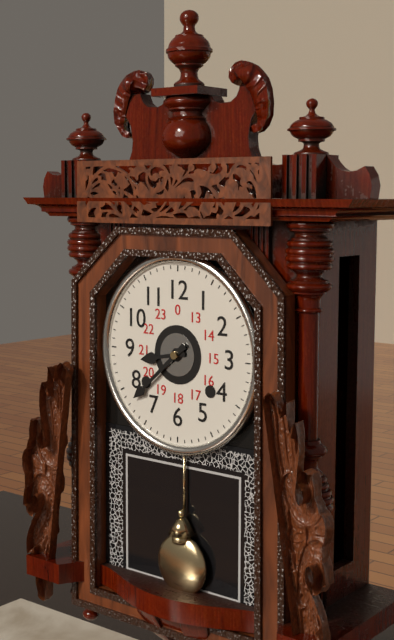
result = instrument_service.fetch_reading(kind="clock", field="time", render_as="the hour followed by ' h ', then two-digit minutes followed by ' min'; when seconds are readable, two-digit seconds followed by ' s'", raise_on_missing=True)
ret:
8 h 38 min
